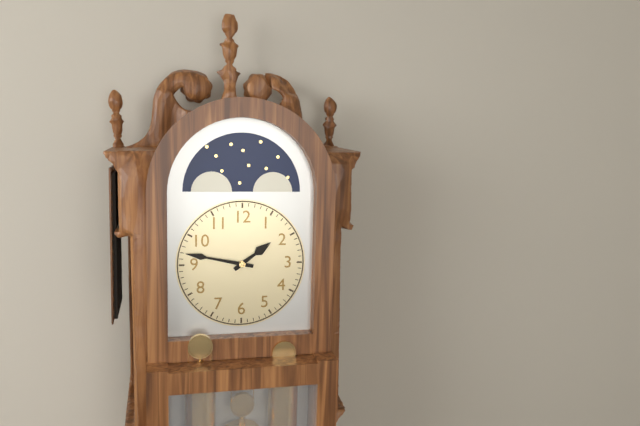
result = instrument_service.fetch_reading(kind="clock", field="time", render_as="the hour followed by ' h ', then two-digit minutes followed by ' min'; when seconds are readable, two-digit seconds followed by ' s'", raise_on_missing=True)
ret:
1 h 47 min
